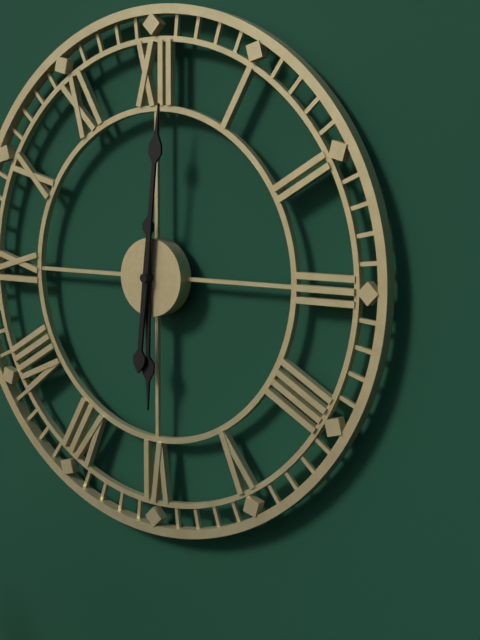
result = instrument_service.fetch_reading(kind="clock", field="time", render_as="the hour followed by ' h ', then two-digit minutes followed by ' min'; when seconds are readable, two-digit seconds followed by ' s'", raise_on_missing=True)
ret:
6 h 01 min
